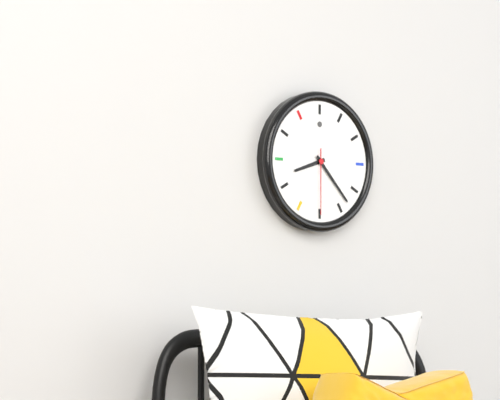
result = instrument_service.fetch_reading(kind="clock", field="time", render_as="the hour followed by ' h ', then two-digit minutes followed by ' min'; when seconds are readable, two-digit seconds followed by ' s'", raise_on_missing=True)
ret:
8 h 23 min 30 s
